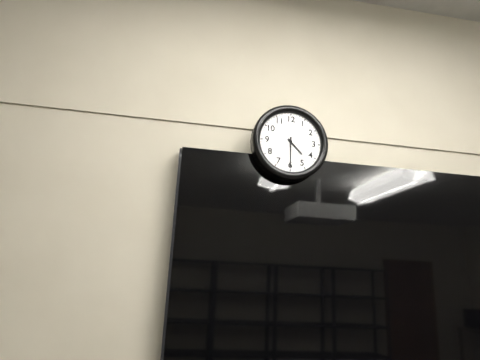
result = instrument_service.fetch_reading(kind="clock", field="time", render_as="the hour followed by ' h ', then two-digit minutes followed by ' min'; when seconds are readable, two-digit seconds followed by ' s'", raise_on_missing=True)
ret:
4 h 30 min
